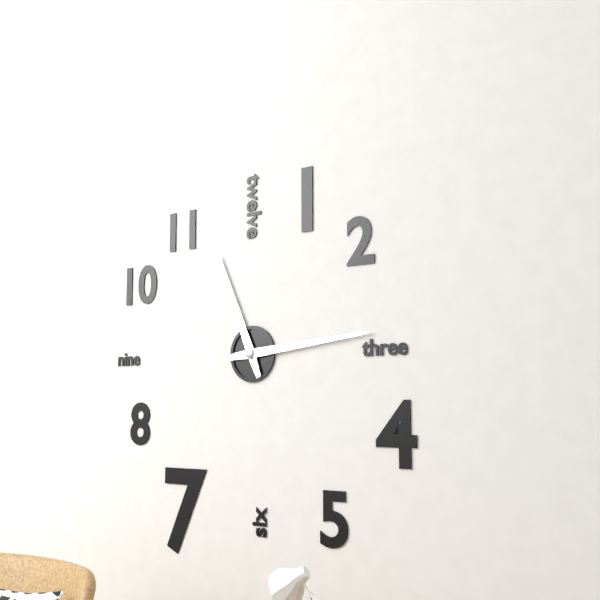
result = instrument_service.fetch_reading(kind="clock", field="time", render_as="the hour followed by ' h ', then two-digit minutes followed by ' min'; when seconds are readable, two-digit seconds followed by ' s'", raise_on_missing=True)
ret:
11 h 14 min
